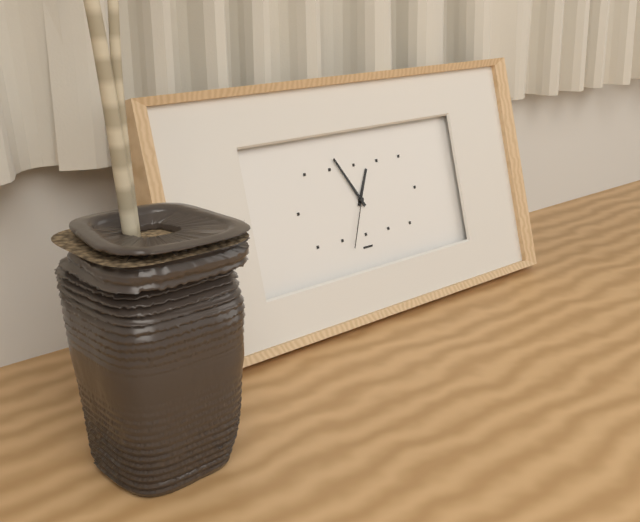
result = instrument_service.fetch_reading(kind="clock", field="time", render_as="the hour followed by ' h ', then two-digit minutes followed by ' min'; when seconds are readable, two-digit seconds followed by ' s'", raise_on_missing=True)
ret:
12 h 55 min 34 s
